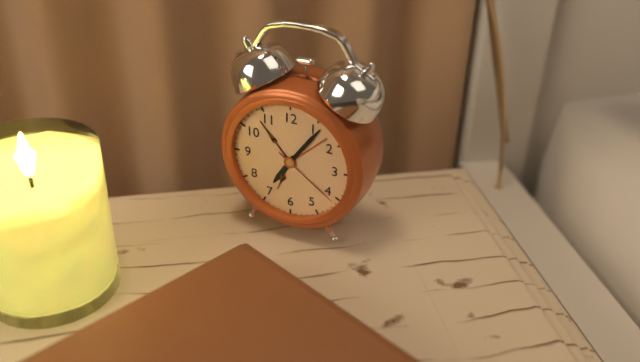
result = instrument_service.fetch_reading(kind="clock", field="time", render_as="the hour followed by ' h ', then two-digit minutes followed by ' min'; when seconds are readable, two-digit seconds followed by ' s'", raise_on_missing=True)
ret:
7 h 06 min 21 s
